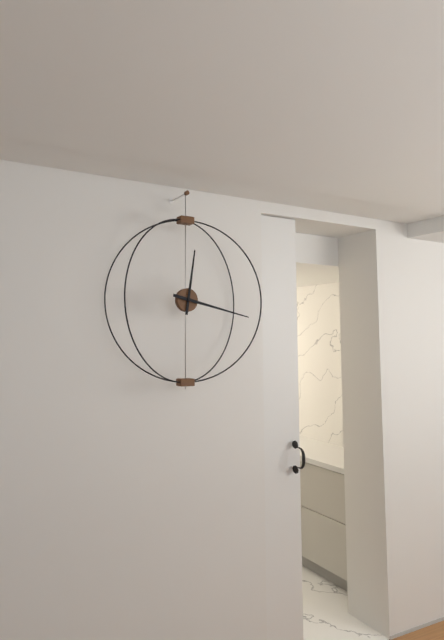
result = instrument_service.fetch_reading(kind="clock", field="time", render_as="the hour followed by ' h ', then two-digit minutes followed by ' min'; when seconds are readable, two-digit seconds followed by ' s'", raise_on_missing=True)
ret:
12 h 17 min
